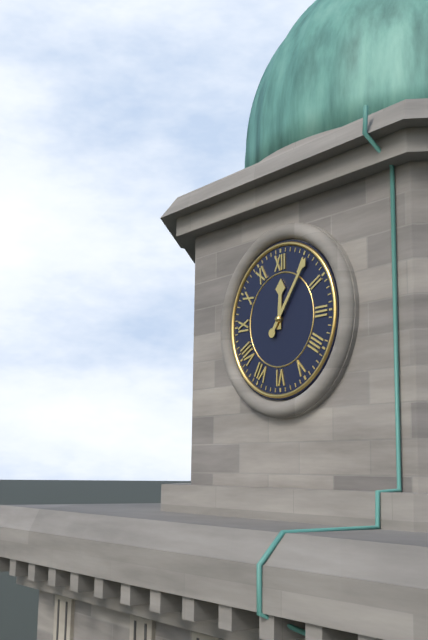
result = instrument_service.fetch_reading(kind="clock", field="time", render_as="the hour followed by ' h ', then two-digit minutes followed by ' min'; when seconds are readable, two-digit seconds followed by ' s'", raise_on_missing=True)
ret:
12 h 06 min
